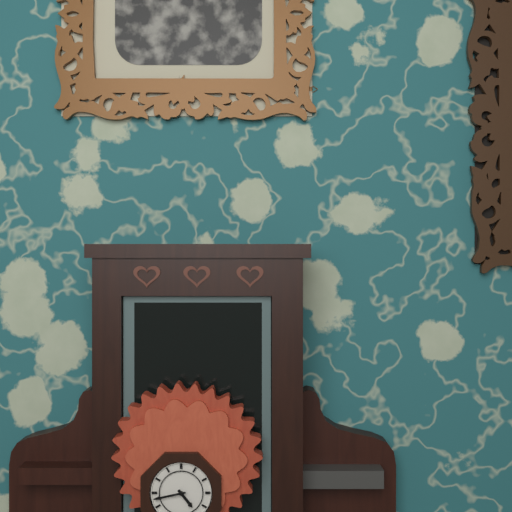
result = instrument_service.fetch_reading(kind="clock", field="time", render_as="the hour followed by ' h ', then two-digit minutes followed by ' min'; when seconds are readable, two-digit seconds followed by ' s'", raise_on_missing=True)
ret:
4 h 43 min
